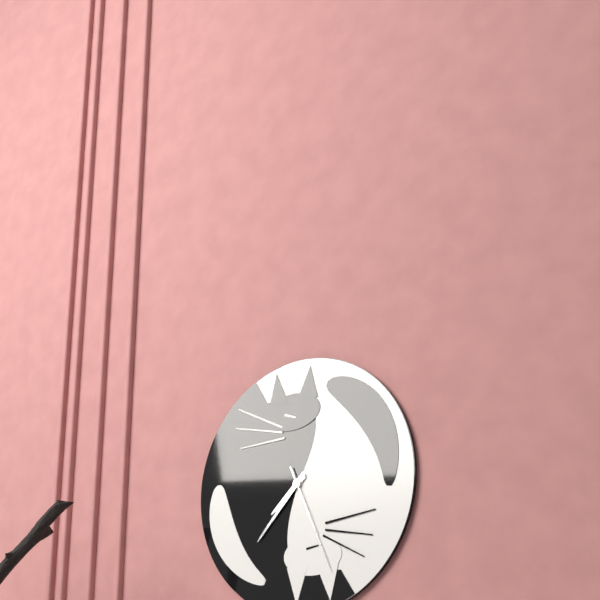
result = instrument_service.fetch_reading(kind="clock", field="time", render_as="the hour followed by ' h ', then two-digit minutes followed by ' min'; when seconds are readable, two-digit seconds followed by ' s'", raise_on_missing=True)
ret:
7 h 37 min 26 s
